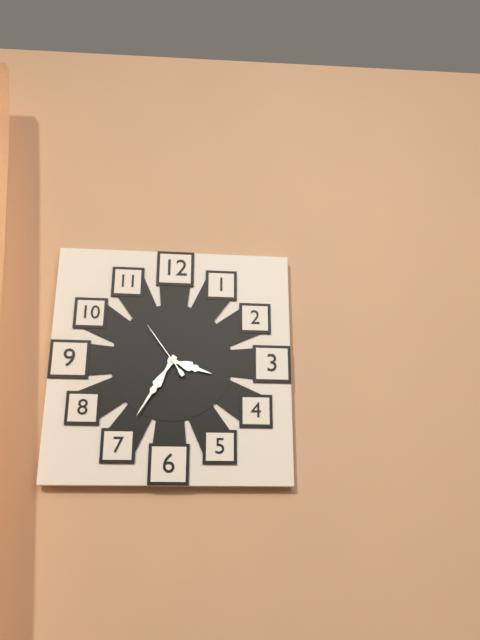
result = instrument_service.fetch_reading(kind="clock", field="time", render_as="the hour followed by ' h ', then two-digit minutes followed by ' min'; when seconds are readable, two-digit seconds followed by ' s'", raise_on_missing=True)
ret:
3 h 35 min 54 s
